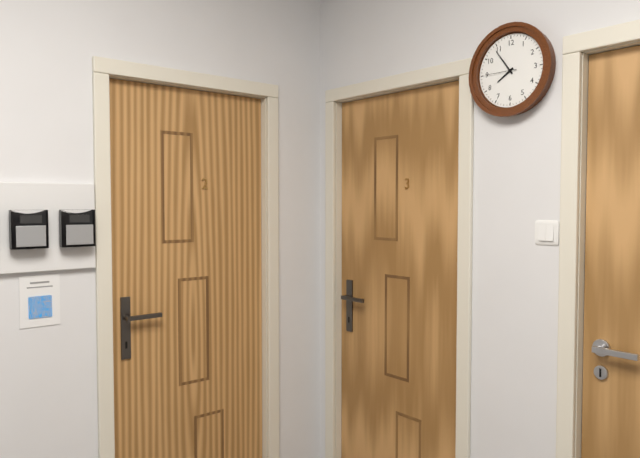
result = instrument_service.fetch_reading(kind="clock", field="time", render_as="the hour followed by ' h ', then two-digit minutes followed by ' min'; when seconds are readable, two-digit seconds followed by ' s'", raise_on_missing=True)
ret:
7 h 54 min
